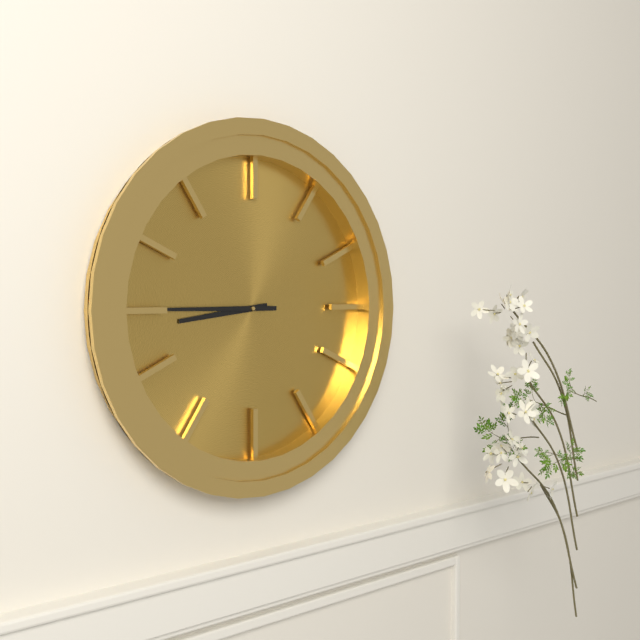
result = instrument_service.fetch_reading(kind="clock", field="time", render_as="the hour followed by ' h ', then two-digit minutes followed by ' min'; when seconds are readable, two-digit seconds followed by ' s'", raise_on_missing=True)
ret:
8 h 45 min
